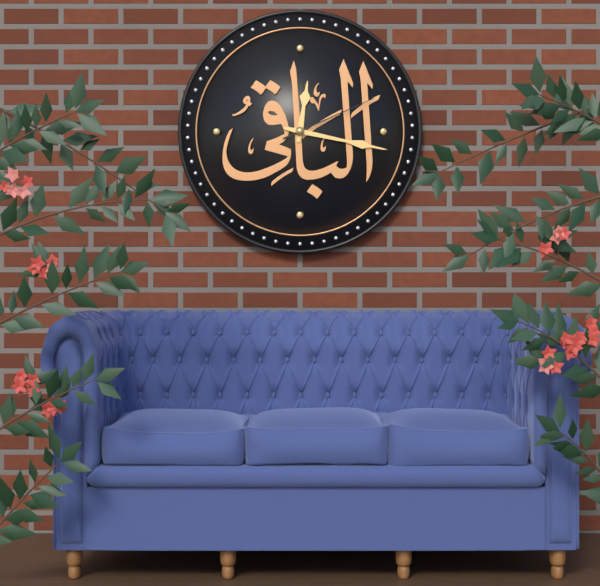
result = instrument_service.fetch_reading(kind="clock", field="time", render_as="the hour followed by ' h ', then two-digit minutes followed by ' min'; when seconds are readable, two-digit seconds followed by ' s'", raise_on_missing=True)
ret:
12 h 17 min 11 s
